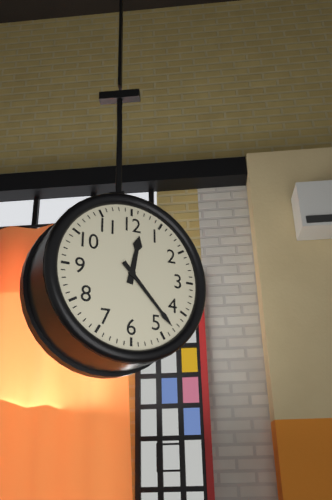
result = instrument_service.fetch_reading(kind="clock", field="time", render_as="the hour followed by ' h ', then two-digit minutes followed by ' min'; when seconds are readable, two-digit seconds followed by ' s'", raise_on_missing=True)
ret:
12 h 23 min
